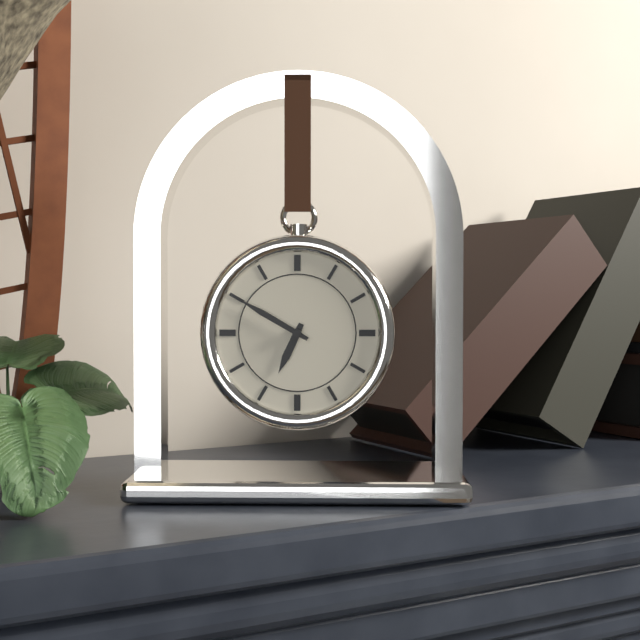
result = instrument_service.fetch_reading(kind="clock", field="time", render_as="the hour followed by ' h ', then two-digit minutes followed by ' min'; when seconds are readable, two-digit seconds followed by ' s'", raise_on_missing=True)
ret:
6 h 50 min
